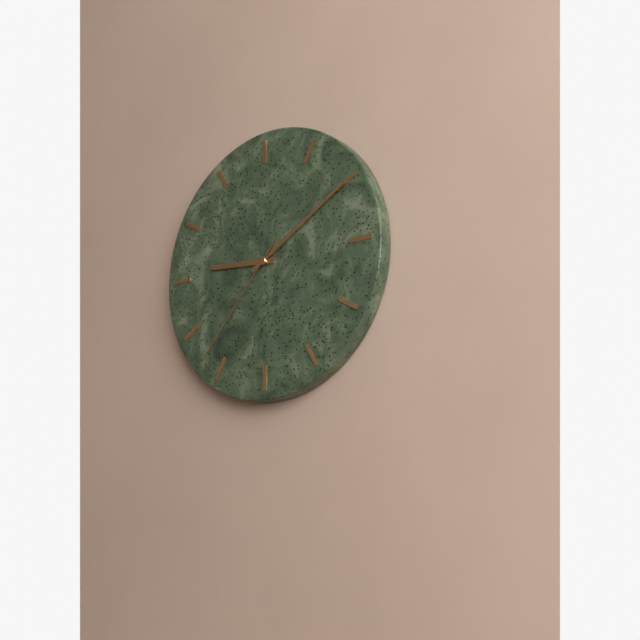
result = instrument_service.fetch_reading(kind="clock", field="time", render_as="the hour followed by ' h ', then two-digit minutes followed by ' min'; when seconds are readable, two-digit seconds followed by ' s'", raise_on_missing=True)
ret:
9 h 10 min 37 s
